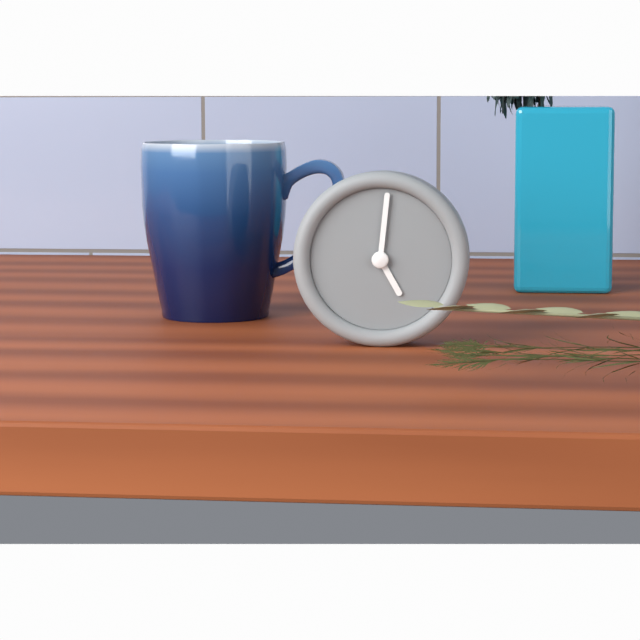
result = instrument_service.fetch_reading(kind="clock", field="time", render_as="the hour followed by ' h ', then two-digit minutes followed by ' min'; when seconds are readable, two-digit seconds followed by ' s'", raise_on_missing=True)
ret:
5 h 01 min
